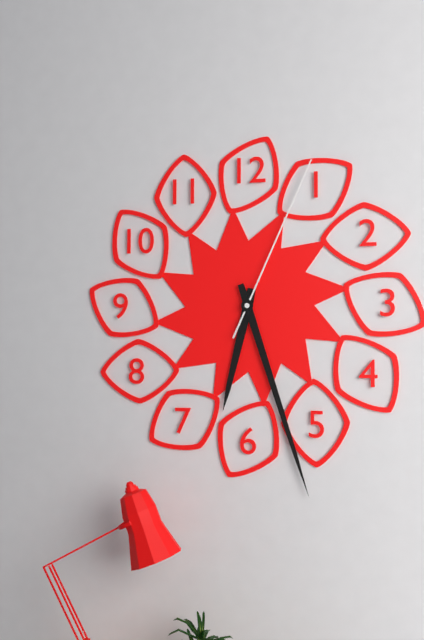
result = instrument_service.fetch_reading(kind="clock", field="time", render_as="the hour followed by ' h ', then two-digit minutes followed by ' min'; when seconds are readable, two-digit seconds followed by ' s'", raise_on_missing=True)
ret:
6 h 27 min 04 s
